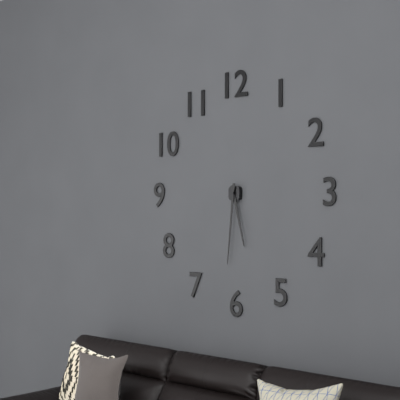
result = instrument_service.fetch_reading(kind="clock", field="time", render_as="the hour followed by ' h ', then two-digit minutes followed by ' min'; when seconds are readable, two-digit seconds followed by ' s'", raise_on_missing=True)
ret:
5 h 31 min
